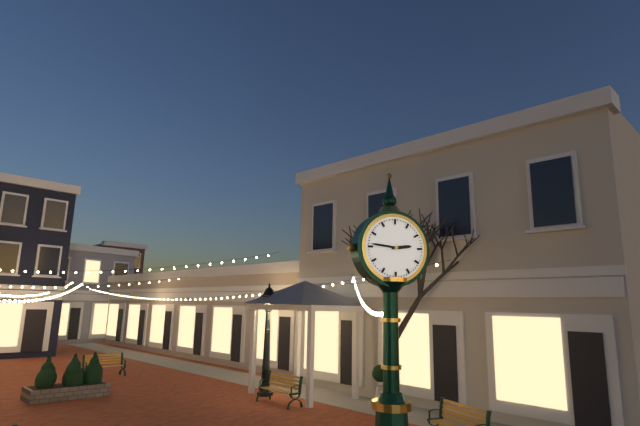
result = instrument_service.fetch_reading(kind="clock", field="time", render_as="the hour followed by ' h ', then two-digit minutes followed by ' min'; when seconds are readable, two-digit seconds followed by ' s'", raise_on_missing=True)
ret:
2 h 46 min
